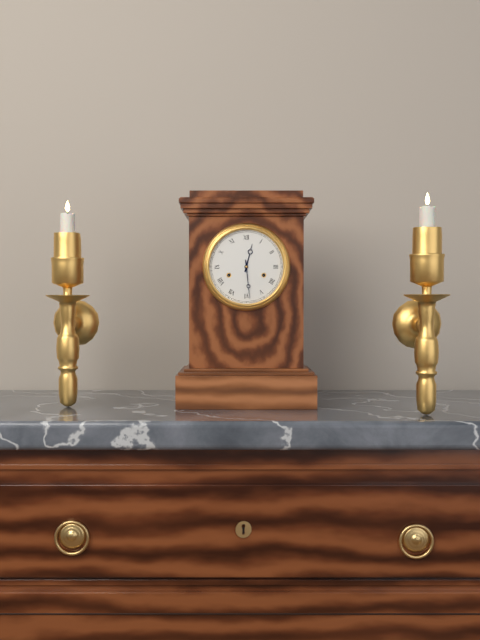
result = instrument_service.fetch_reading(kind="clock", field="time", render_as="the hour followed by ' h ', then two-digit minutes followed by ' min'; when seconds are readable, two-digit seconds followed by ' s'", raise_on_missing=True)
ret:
12 h 29 min
